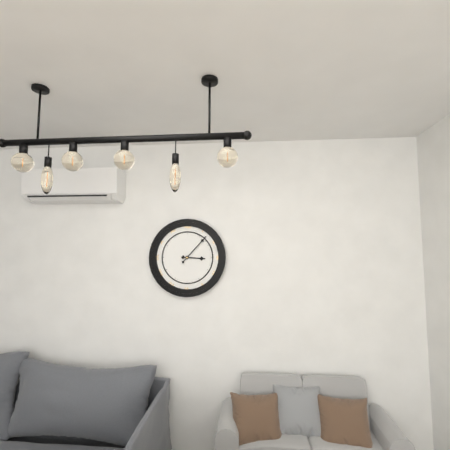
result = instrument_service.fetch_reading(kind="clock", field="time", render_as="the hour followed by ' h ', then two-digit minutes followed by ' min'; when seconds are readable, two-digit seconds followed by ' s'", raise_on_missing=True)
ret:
3 h 07 min
